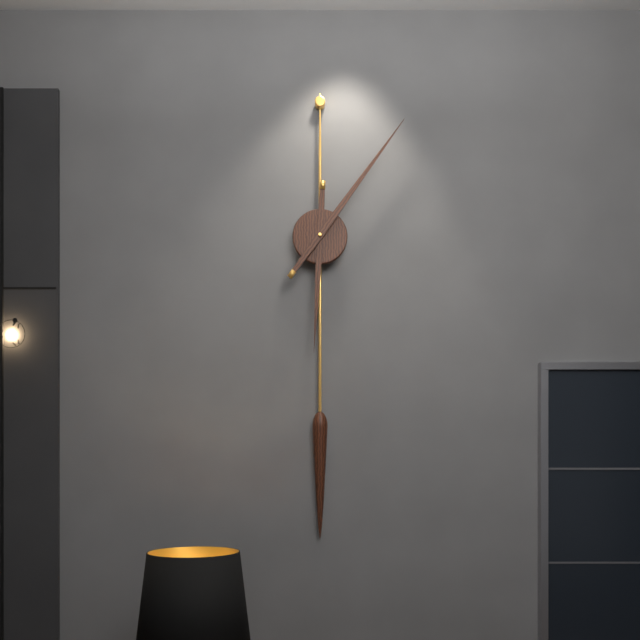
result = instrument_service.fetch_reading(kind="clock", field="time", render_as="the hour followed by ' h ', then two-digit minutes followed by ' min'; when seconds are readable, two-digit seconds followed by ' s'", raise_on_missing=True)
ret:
6 h 06 min
